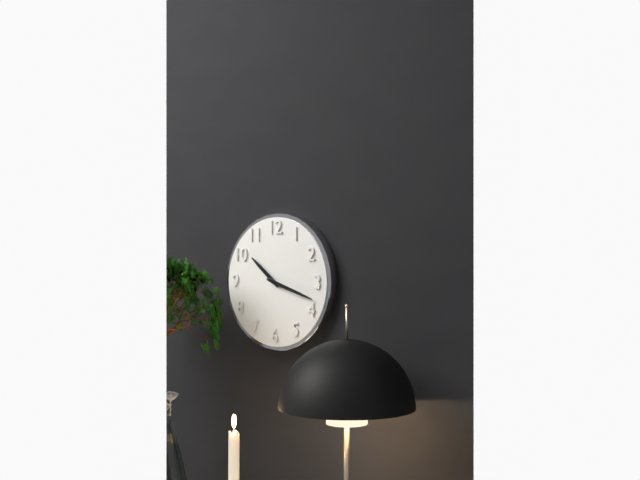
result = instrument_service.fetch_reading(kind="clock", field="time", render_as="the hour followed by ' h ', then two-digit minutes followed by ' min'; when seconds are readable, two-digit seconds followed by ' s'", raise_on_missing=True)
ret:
10 h 18 min
